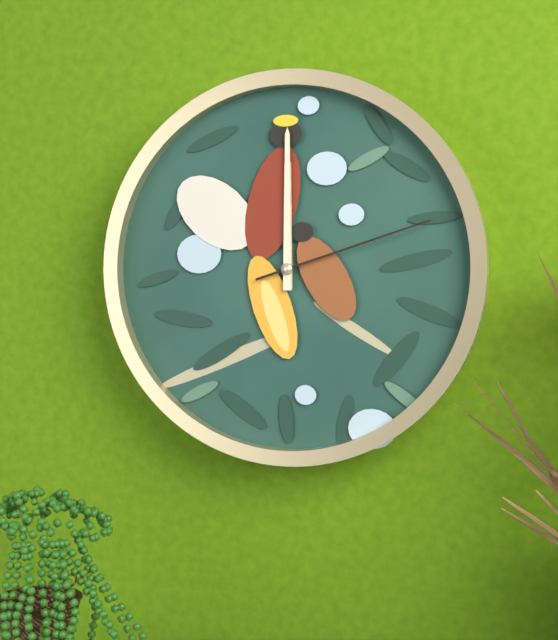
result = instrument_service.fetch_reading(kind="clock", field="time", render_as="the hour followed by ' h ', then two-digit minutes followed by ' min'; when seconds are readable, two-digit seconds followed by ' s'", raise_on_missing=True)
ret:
12 h 00 min 12 s
